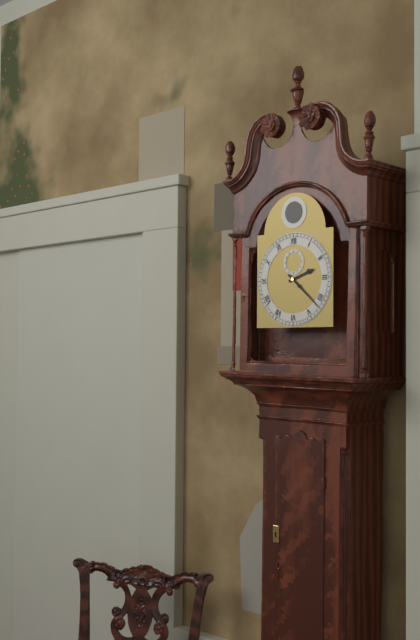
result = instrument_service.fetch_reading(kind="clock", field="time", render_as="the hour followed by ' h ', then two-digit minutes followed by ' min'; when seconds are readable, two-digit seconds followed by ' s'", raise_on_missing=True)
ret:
2 h 22 min
